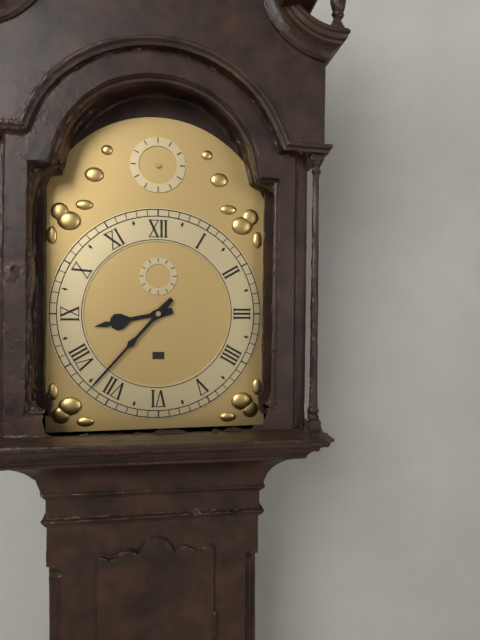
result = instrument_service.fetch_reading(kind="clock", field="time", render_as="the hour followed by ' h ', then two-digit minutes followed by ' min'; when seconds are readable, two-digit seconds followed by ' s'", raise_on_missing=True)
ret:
8 h 37 min
